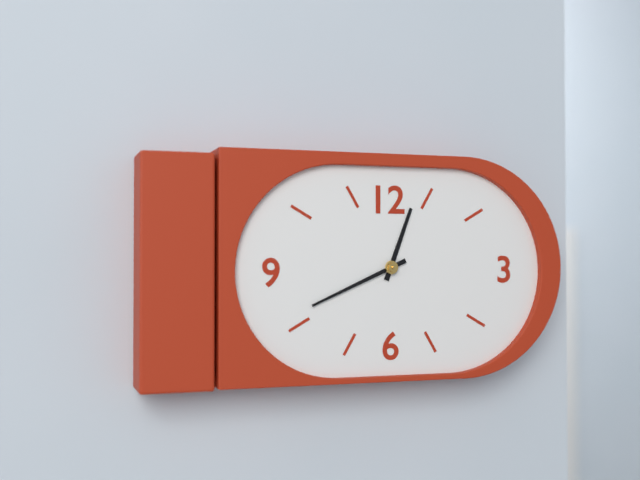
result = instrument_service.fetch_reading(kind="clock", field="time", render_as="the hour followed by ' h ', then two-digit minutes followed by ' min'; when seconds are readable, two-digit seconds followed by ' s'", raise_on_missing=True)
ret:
12 h 41 min
